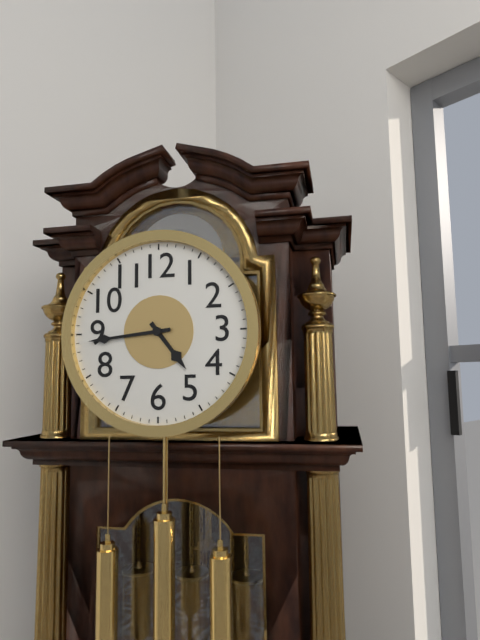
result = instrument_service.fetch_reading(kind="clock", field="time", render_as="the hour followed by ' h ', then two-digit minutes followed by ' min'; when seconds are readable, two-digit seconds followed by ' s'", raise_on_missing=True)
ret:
4 h 44 min
